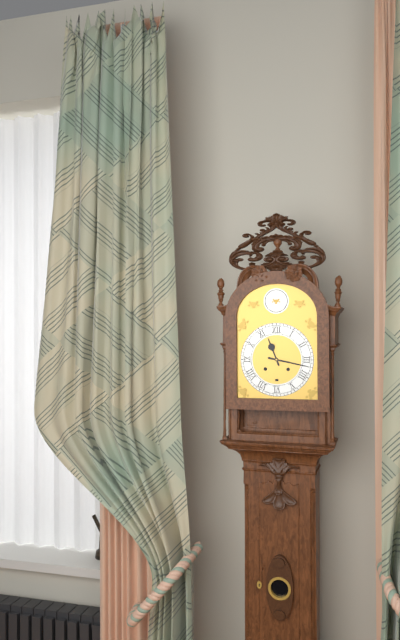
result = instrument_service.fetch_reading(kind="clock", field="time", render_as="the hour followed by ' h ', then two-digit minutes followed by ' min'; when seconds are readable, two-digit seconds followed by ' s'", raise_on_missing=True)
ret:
11 h 17 min
